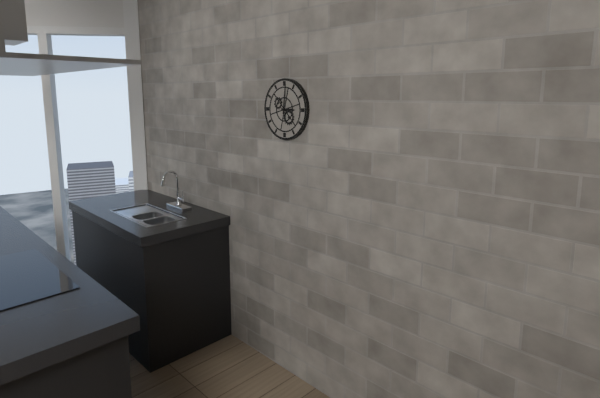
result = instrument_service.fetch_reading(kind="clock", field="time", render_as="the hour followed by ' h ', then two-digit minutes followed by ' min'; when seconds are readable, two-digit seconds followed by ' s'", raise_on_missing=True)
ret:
3 h 01 min
